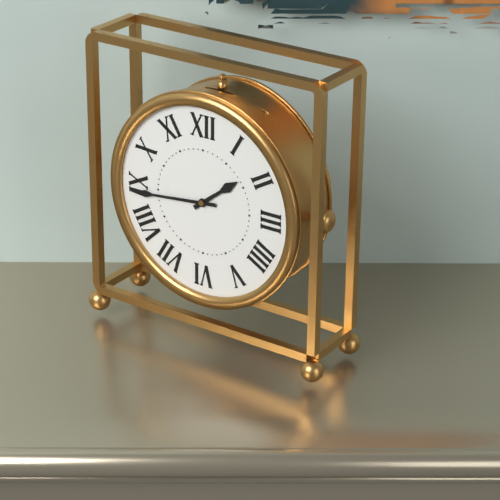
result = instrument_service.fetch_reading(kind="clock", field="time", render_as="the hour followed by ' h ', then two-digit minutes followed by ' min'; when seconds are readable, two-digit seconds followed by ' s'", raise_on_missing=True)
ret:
1 h 44 min
